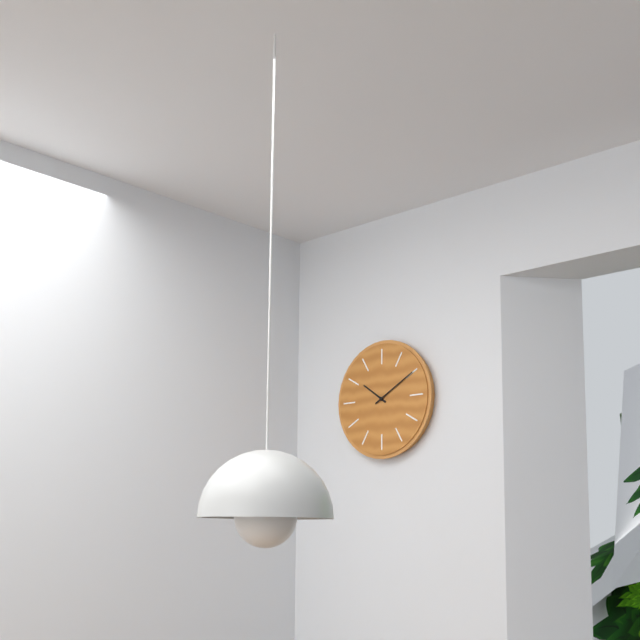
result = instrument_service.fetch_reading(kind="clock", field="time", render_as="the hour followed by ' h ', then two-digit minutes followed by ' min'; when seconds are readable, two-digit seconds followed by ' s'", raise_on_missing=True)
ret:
10 h 10 min
